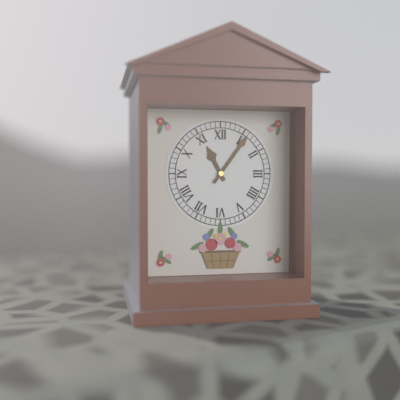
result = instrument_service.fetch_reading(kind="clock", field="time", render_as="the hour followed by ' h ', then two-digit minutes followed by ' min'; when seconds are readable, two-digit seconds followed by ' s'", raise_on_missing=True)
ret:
11 h 06 min
